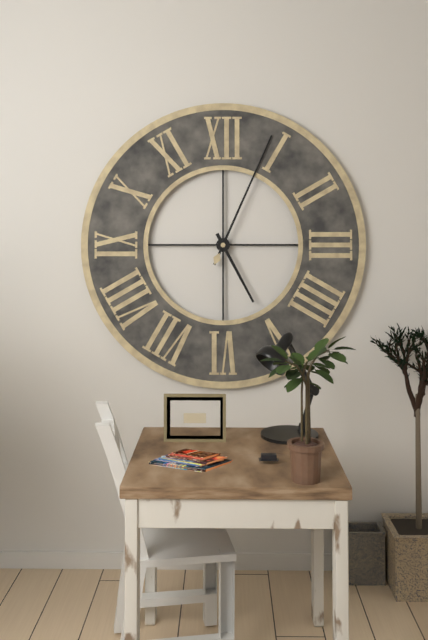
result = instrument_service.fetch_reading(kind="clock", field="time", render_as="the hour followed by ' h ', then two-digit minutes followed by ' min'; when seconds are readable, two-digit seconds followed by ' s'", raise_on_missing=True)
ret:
5 h 04 min
